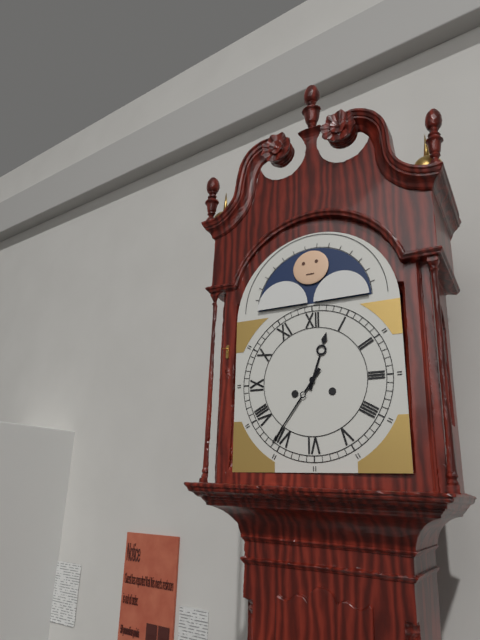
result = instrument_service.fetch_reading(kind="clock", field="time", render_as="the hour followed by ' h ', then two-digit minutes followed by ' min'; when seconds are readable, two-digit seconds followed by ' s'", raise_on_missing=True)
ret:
12 h 36 min
